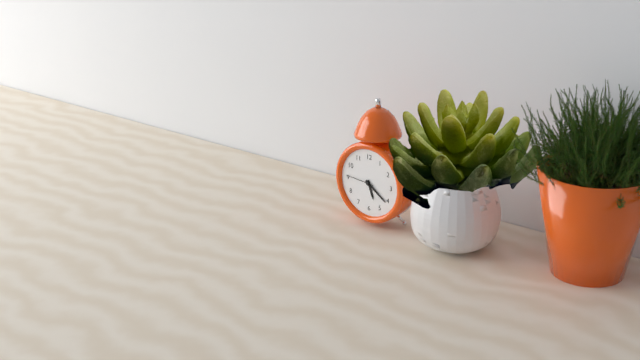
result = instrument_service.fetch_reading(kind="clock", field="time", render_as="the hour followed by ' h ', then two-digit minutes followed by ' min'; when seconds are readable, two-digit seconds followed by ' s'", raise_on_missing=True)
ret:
5 h 21 min
